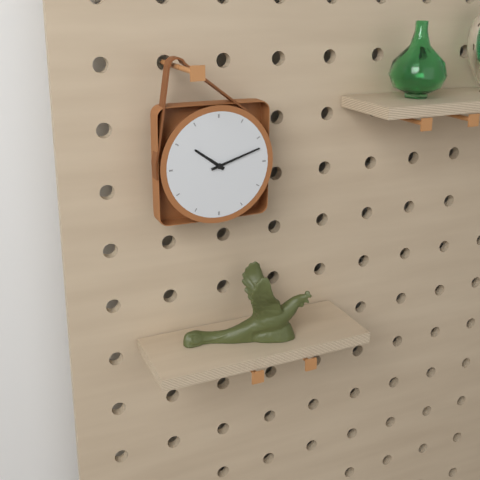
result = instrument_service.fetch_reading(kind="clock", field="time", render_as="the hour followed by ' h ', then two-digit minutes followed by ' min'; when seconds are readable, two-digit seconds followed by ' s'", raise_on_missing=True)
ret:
10 h 12 min
